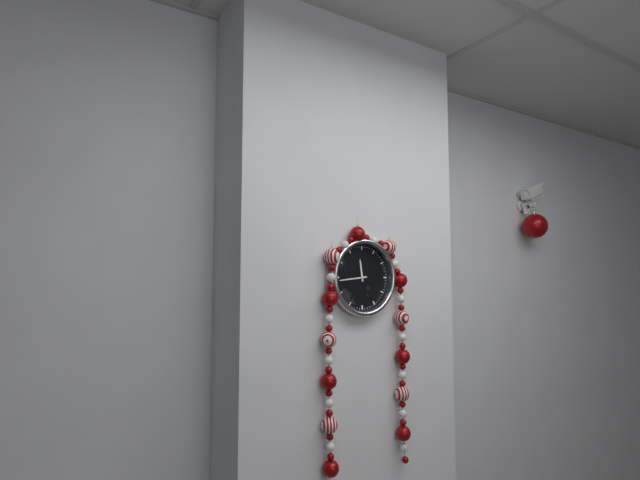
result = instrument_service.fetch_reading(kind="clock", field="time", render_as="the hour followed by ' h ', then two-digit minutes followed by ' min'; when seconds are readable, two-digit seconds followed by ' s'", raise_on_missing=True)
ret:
11 h 44 min
